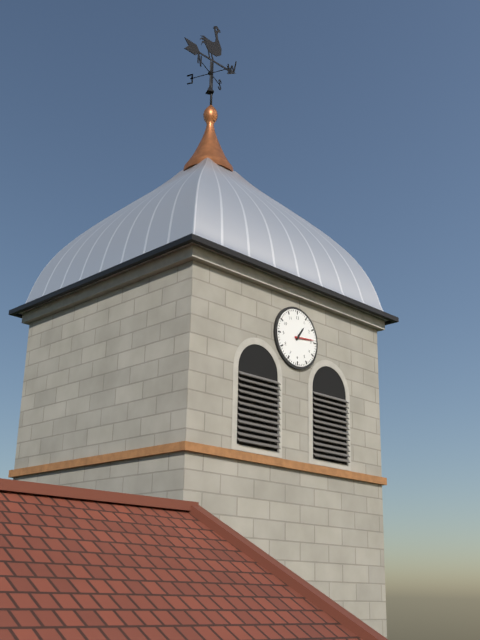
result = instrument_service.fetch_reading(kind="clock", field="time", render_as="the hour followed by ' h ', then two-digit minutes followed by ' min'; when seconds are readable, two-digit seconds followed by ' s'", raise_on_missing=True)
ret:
1 h 14 min
